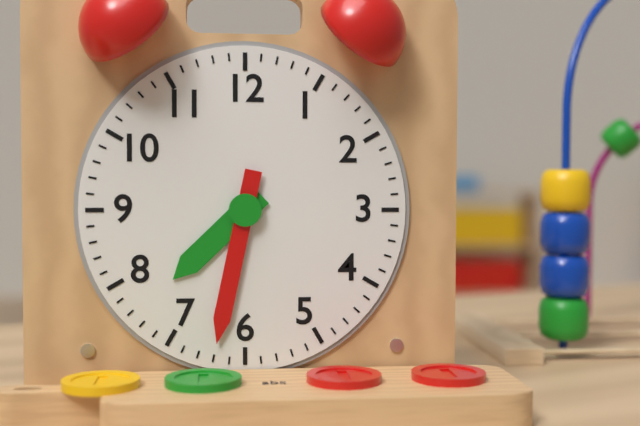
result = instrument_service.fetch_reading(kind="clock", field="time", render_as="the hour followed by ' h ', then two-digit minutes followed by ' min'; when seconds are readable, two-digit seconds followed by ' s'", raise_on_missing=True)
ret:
7 h 32 min
